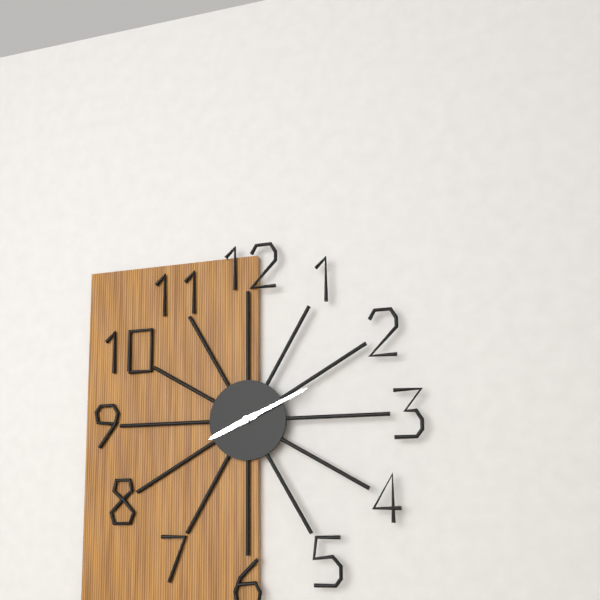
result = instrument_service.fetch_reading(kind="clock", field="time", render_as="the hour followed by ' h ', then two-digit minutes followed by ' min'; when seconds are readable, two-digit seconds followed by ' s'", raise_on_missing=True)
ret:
8 h 11 min
